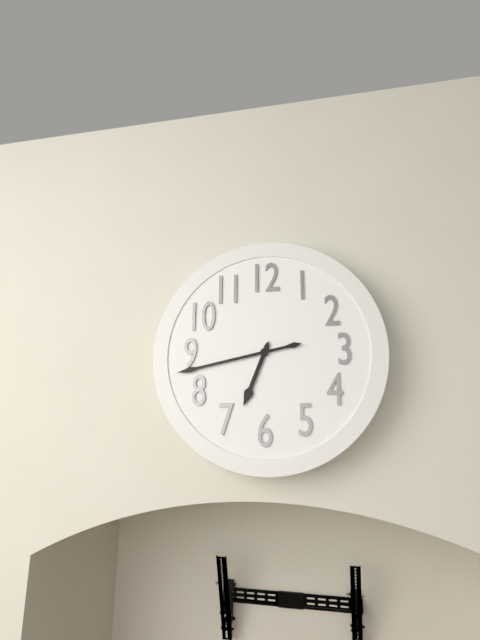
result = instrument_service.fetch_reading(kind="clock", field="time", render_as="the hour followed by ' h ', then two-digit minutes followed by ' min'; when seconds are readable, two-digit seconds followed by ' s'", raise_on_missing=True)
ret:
6 h 43 min
